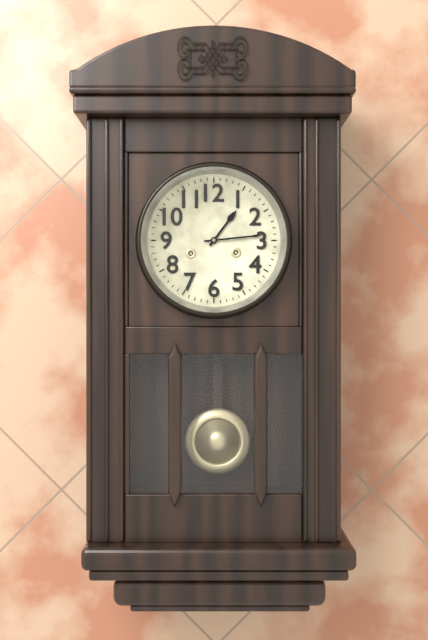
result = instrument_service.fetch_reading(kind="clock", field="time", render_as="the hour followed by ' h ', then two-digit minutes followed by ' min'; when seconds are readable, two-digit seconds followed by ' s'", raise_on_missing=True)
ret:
1 h 14 min
